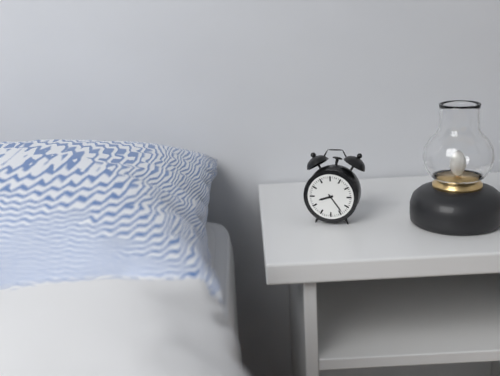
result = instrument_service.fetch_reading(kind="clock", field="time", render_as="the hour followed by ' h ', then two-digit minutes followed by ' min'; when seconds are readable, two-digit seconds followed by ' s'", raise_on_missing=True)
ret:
8 h 24 min
